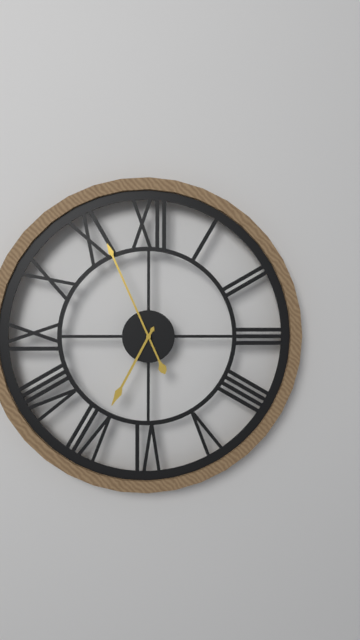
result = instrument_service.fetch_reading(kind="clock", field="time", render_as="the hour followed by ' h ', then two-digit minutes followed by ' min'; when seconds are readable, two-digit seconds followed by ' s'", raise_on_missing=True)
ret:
6 h 56 min
